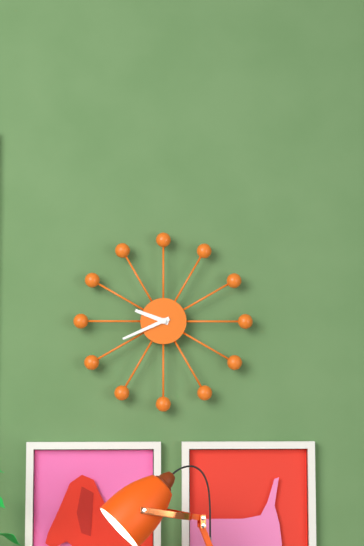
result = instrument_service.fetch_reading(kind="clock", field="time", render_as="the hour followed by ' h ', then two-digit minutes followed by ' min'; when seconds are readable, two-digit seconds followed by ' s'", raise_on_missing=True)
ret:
9 h 41 min
